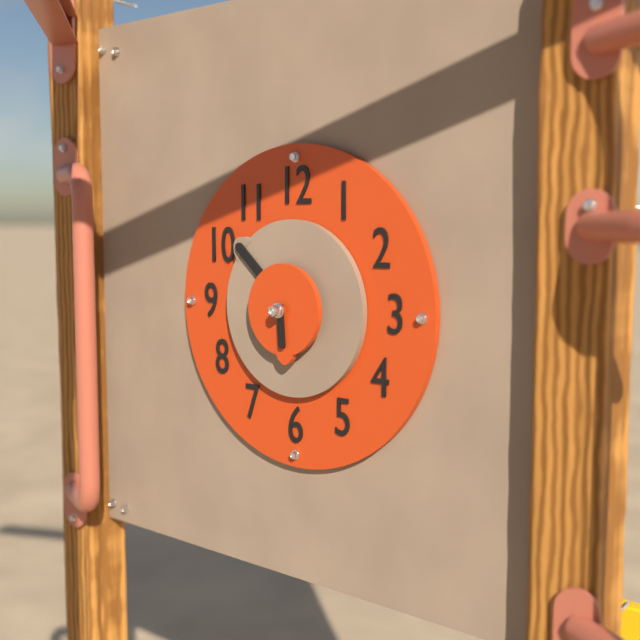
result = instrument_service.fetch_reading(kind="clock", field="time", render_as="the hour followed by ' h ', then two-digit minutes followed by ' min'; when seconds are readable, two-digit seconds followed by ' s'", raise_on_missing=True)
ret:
5 h 52 min
